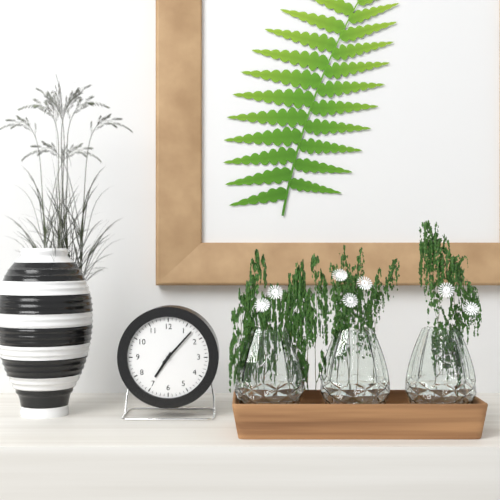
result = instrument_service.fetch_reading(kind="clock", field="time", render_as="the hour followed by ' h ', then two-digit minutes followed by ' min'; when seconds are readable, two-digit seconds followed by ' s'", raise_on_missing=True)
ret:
7 h 07 min
